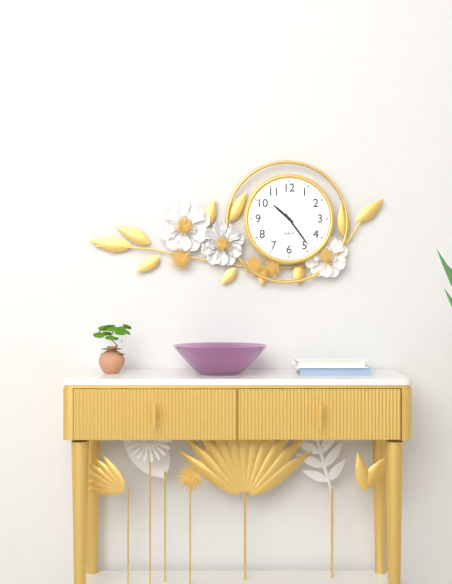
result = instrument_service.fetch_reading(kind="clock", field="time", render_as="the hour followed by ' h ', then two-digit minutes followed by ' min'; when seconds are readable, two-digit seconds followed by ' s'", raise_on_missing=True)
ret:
10 h 24 min
